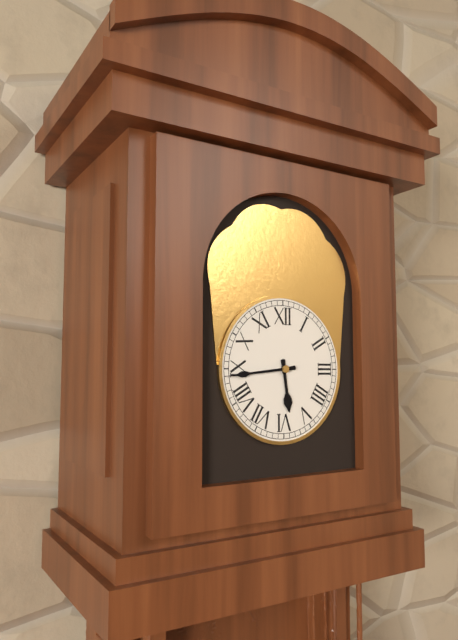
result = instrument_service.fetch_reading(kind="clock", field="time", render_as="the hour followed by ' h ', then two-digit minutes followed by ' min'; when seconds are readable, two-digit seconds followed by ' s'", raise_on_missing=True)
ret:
5 h 44 min
